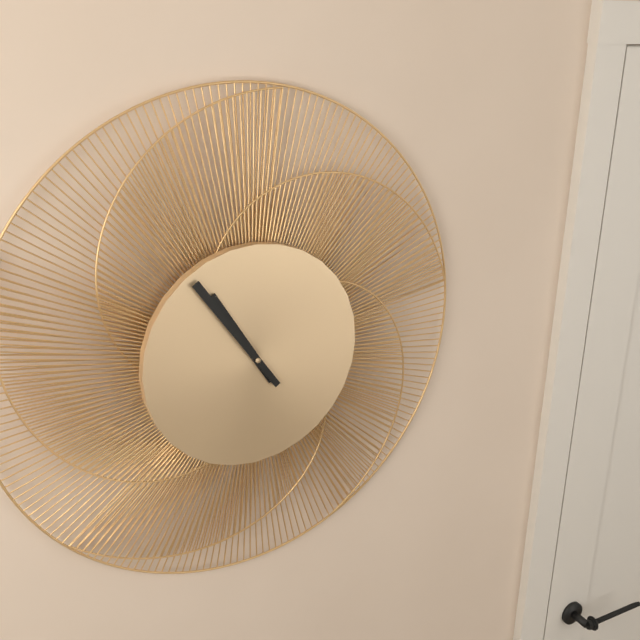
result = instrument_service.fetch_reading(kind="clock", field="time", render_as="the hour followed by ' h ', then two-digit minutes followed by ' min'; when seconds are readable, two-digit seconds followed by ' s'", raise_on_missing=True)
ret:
10 h 54 min
